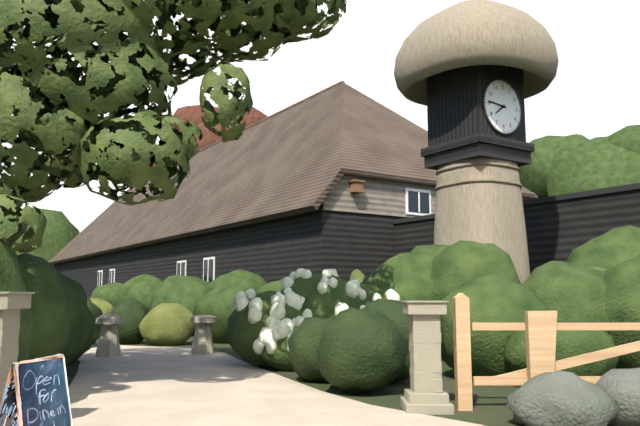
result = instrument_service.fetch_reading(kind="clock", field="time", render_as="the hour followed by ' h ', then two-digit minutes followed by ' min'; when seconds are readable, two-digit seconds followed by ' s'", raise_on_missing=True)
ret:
7 h 46 min
